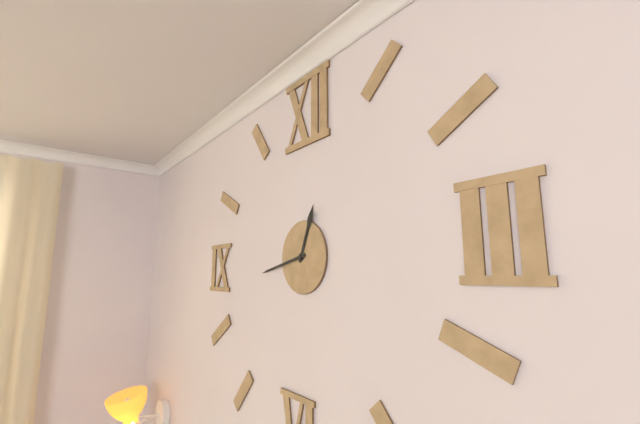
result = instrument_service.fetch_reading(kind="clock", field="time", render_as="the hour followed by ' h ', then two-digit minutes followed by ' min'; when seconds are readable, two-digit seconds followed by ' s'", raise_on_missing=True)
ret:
12 h 43 min
